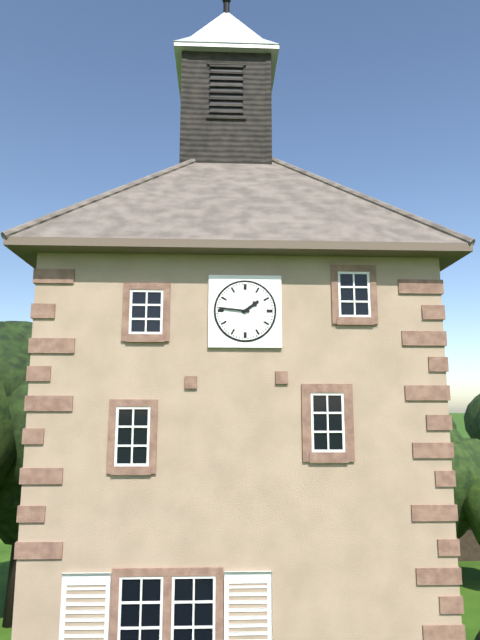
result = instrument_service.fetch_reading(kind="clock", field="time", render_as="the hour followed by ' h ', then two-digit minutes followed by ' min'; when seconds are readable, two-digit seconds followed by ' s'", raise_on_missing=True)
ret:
1 h 46 min
